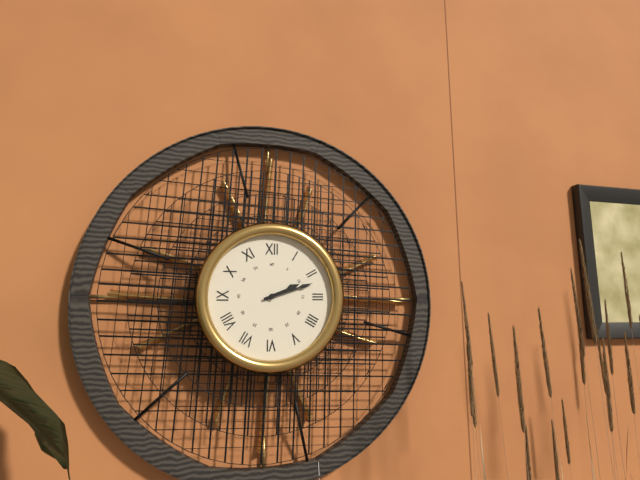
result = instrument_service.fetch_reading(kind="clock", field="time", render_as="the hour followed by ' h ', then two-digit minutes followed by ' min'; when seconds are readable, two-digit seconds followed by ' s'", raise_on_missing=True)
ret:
2 h 12 min
